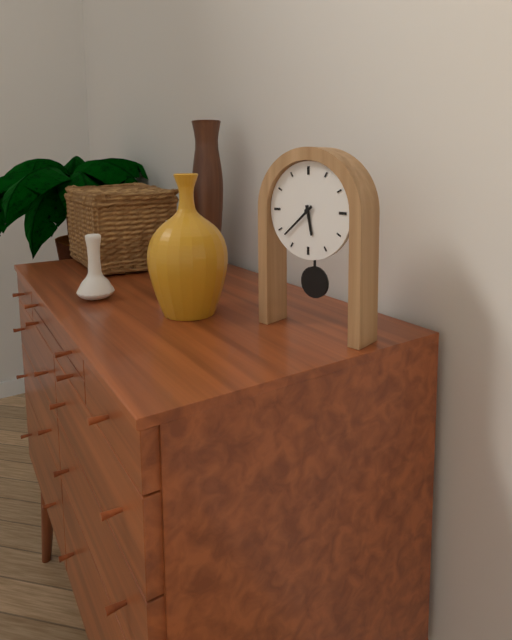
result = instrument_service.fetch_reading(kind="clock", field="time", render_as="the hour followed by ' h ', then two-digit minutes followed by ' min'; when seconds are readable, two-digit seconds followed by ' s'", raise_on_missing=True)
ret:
5 h 38 min
